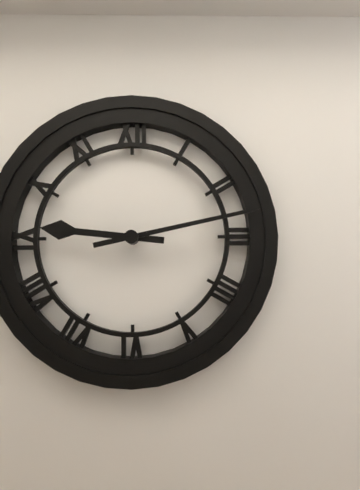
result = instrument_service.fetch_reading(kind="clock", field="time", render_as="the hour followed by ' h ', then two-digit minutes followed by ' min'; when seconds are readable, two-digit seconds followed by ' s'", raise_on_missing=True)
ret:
9 h 13 min
